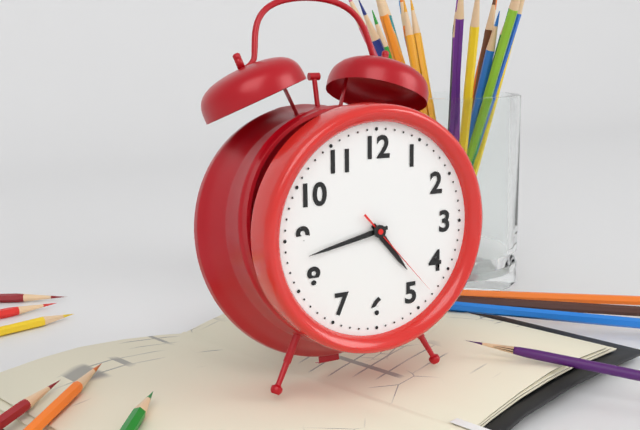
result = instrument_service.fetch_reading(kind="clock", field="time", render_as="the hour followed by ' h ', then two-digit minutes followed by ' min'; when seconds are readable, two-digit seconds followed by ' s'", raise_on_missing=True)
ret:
4 h 43 min 23 s
